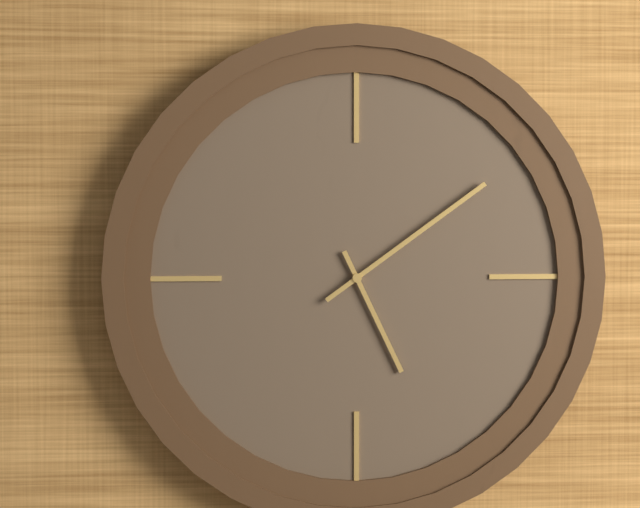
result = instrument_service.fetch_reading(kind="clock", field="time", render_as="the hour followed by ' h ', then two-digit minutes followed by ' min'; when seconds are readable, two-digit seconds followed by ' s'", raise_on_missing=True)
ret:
5 h 09 min
